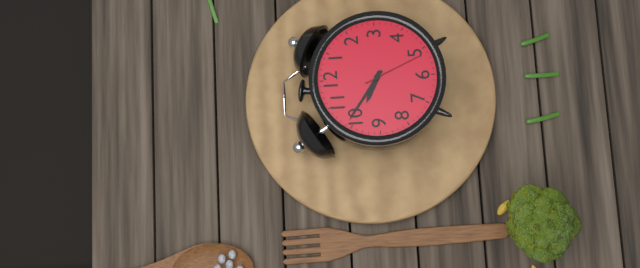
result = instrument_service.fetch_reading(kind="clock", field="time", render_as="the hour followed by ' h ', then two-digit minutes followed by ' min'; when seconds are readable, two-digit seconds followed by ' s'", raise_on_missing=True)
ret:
9 h 51 min 26 s
